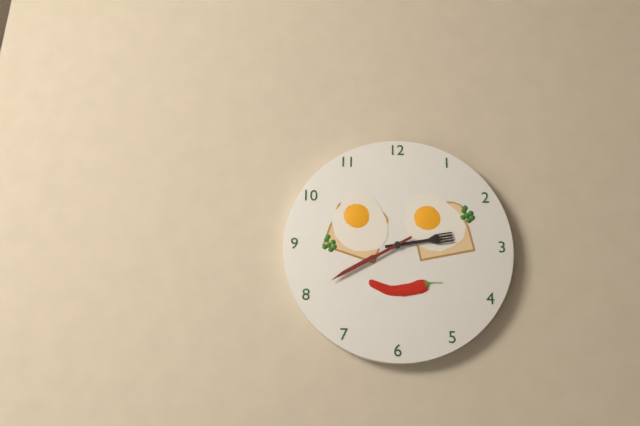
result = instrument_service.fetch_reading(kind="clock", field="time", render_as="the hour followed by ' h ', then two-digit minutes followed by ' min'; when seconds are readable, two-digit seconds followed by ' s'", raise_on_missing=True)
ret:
2 h 40 min
